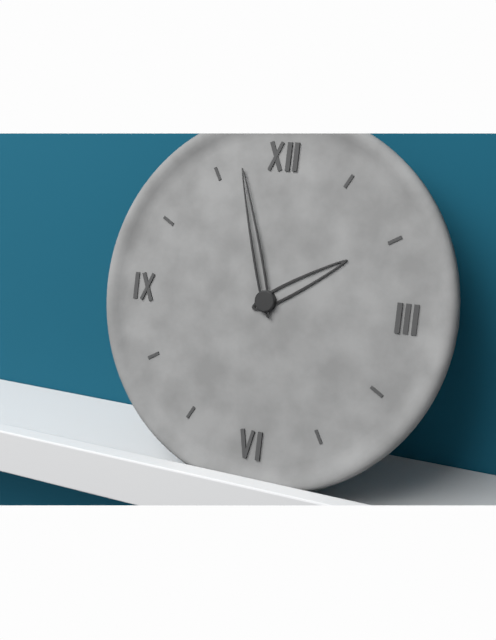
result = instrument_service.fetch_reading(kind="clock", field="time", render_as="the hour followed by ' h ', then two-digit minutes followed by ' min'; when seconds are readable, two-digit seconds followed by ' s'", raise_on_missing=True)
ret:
1 h 57 min
